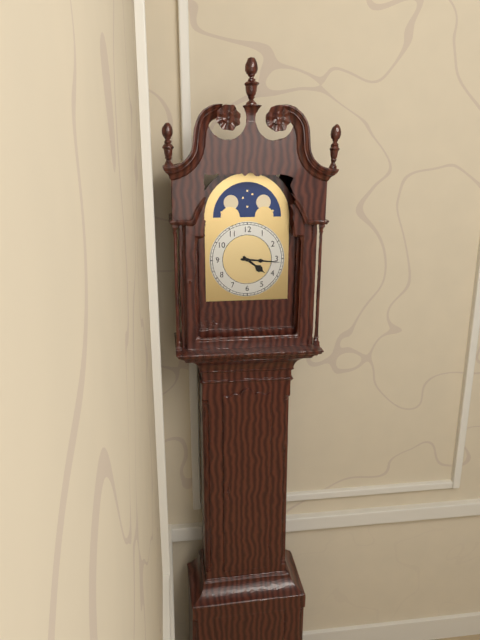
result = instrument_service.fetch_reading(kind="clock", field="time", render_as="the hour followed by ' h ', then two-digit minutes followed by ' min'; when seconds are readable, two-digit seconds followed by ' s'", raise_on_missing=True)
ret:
4 h 16 min
